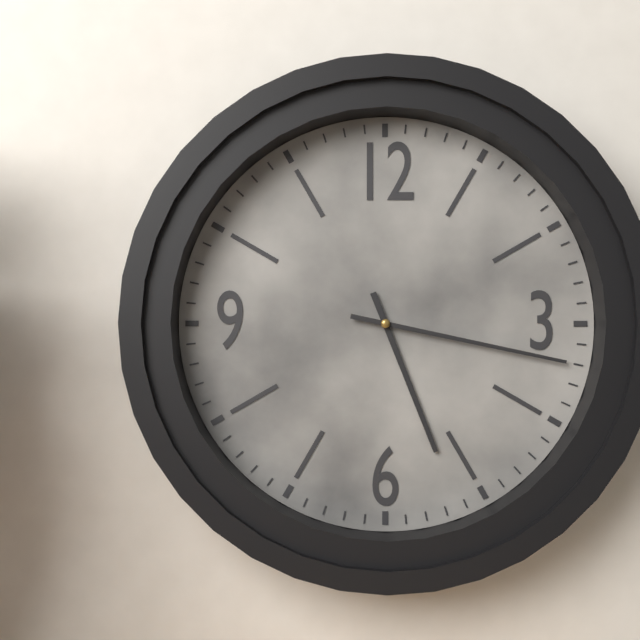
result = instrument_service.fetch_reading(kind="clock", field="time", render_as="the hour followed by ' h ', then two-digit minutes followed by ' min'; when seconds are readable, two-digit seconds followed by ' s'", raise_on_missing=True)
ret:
5 h 17 min
